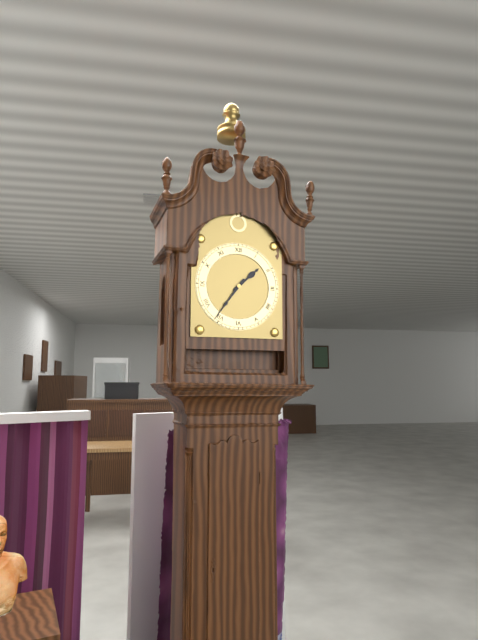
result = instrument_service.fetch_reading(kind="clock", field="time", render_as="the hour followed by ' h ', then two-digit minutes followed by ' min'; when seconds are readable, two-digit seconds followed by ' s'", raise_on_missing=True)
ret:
1 h 36 min
